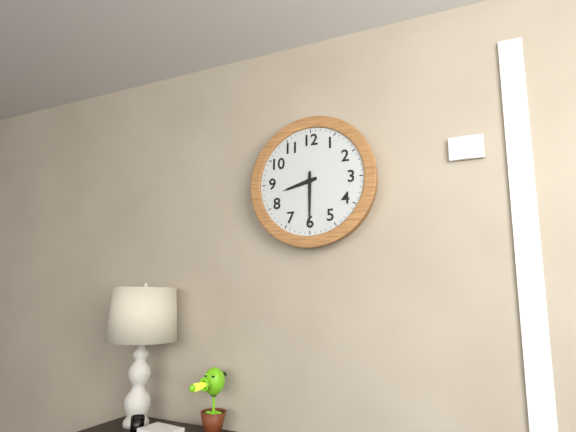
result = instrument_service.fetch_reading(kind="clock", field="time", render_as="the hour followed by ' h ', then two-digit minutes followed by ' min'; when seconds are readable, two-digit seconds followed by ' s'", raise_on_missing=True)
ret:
8 h 30 min
